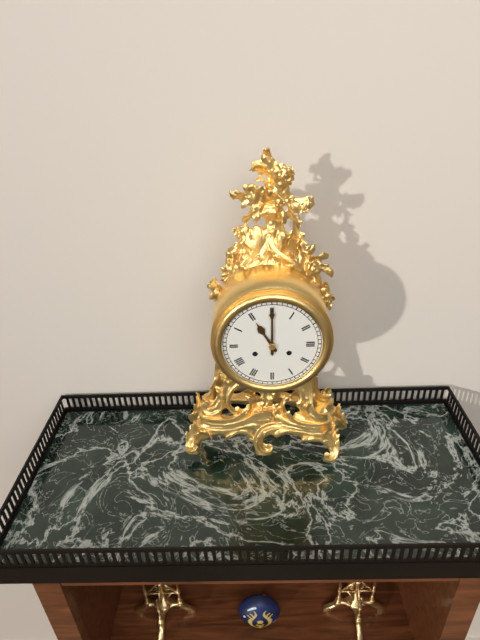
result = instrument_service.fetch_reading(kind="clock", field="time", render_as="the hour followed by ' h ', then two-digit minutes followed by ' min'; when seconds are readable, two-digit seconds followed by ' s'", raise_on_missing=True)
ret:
11 h 00 min
